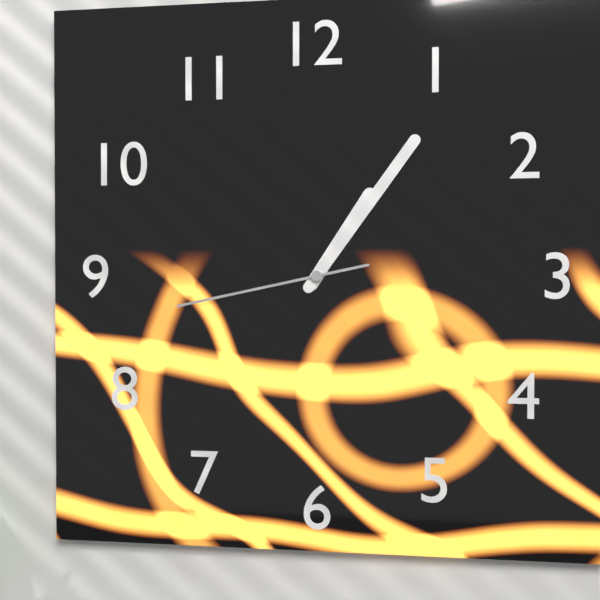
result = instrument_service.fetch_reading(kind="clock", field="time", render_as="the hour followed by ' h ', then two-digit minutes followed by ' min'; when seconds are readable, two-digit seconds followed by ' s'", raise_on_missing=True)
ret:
1 h 06 min 43 s
